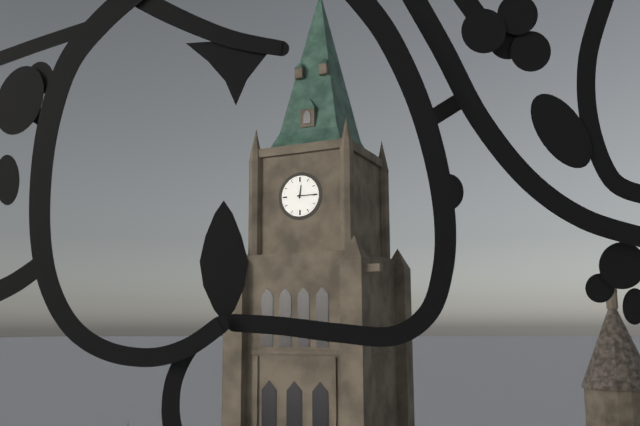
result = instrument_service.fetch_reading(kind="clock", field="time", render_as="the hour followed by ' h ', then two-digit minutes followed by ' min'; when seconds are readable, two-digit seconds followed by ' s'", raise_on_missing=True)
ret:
12 h 15 min
